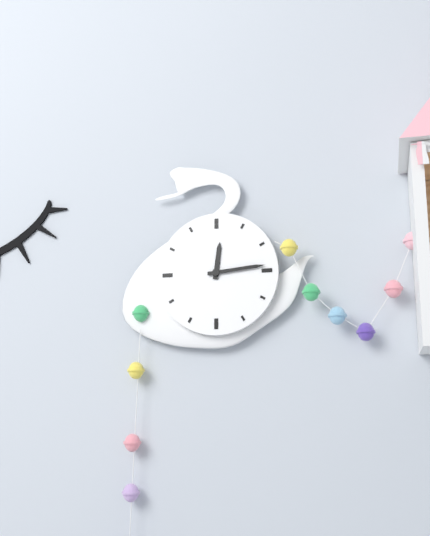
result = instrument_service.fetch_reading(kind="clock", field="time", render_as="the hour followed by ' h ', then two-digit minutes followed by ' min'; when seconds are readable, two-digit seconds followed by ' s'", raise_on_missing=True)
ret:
12 h 14 min
